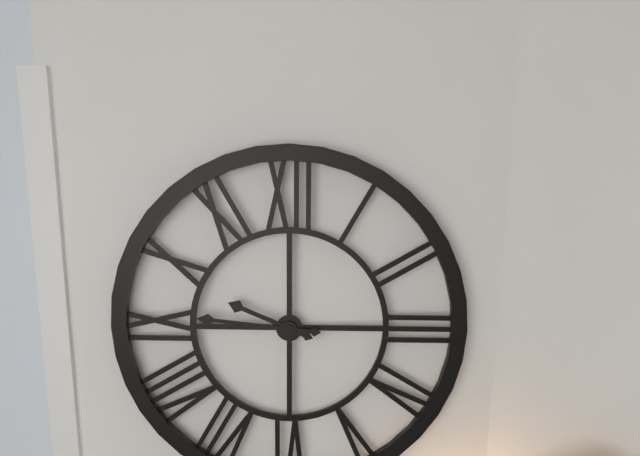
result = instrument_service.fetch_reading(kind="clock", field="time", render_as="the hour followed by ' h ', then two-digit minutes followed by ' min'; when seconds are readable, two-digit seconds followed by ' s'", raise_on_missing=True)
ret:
9 h 46 min
